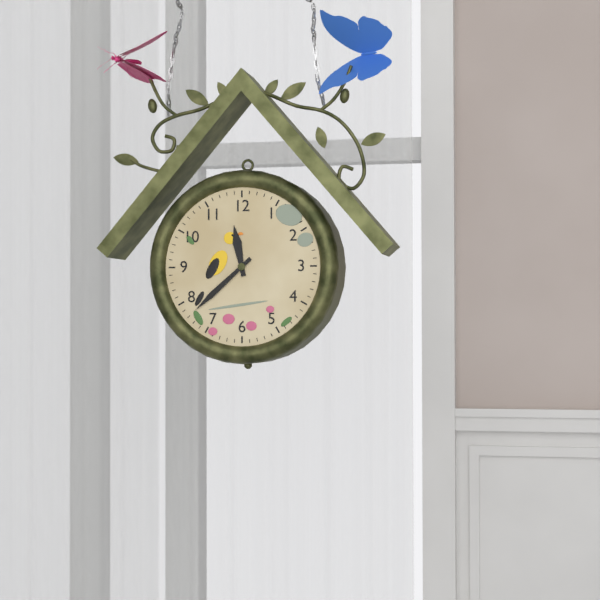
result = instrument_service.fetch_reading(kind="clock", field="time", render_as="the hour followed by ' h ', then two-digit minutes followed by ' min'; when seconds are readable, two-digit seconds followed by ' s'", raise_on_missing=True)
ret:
11 h 38 min
